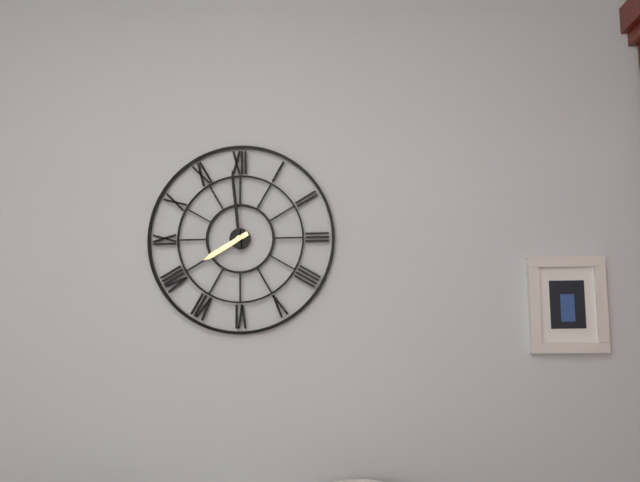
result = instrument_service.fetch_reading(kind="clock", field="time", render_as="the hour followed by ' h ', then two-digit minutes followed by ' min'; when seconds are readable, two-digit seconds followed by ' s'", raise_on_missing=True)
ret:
7 h 59 min
